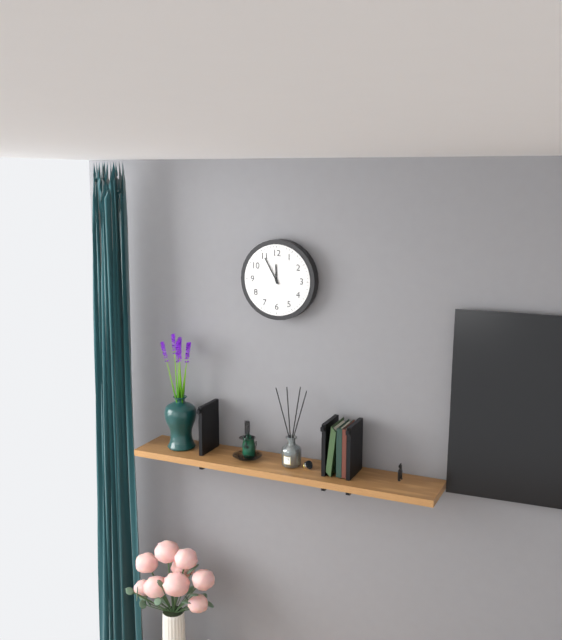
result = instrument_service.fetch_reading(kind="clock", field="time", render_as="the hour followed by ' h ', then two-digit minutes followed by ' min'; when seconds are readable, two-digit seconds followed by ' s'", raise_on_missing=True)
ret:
11 h 55 min
